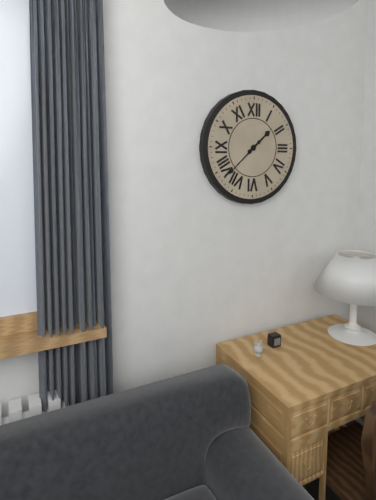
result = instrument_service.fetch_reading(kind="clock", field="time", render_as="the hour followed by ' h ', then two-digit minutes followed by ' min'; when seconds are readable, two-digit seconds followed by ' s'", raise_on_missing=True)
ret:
1 h 38 min
